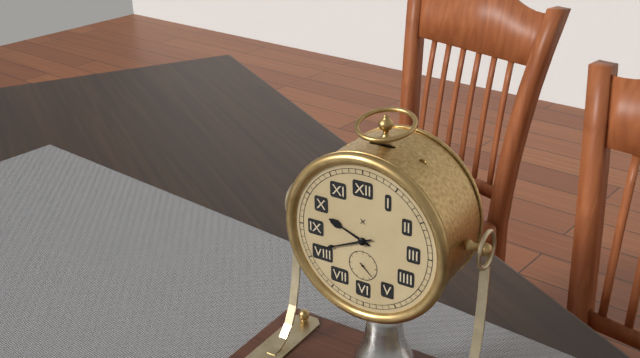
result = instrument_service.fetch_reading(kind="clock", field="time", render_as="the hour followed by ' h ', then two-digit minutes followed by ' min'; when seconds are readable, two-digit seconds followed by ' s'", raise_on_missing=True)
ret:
9 h 41 min
